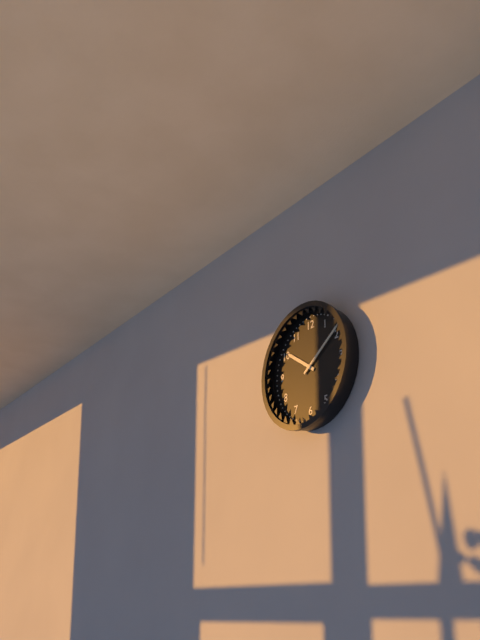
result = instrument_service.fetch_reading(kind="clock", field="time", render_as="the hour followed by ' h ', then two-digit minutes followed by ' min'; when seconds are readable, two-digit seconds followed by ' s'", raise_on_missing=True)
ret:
10 h 09 min
